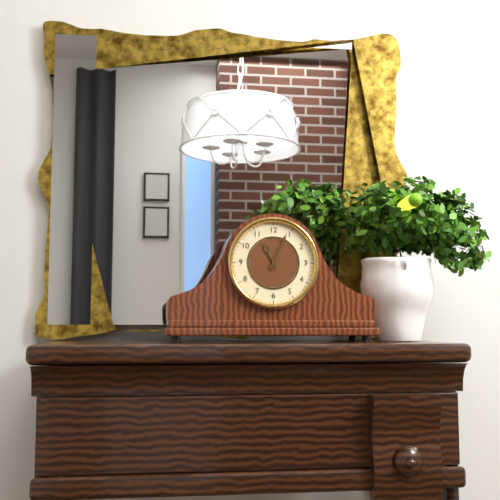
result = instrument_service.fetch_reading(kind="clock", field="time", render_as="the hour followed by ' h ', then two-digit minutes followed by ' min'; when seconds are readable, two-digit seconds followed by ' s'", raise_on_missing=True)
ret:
11 h 04 min
